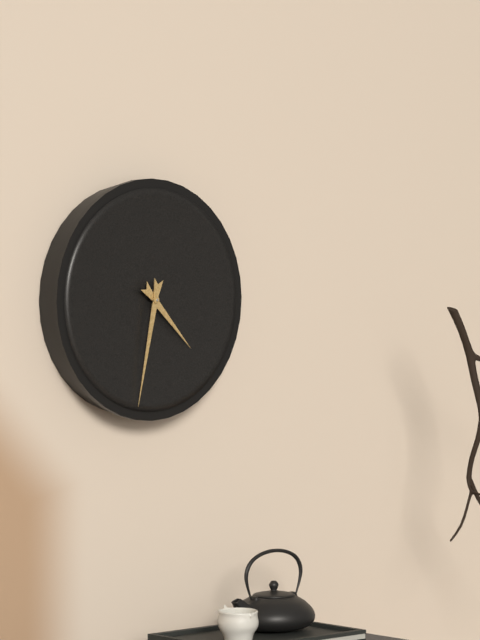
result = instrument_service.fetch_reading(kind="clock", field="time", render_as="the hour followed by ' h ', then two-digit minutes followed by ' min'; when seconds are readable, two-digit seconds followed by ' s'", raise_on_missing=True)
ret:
4 h 32 min
